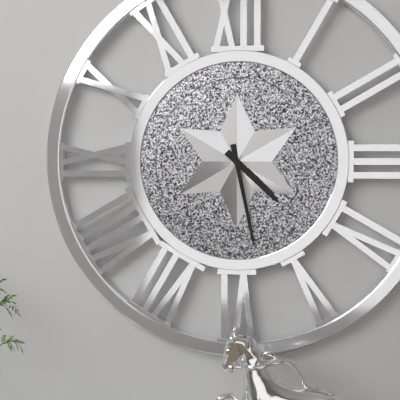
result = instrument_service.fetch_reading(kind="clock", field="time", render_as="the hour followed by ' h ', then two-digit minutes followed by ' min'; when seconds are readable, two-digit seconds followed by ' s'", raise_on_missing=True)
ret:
4 h 28 min
